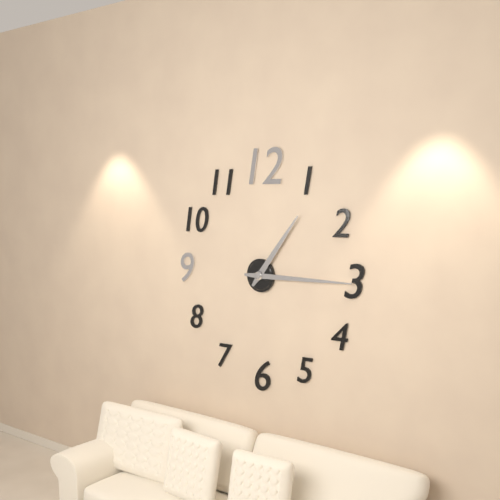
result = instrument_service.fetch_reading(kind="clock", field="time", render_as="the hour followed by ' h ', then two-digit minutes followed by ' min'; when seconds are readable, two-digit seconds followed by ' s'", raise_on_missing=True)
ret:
1 h 15 min
